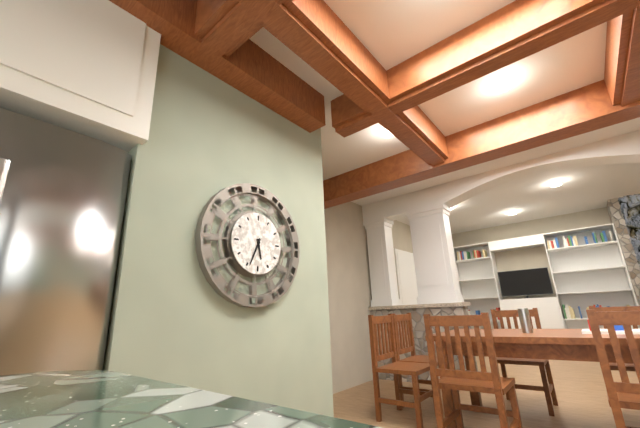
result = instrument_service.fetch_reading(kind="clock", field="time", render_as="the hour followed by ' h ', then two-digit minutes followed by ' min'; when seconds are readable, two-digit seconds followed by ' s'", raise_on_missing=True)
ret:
5 h 34 min
